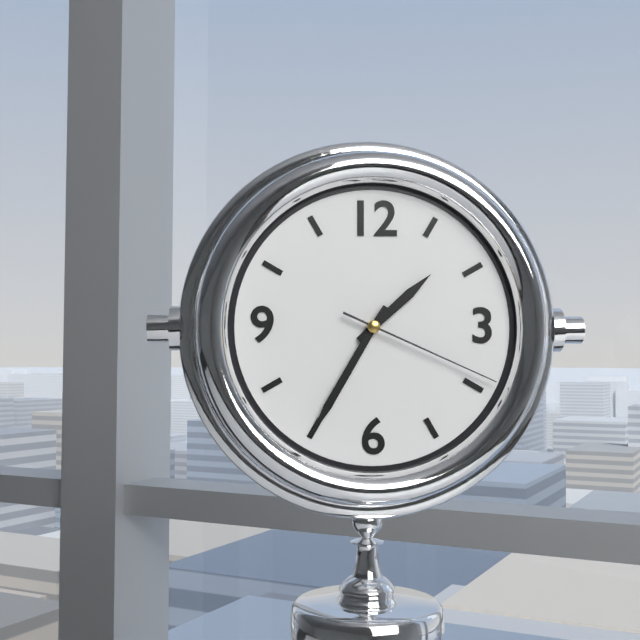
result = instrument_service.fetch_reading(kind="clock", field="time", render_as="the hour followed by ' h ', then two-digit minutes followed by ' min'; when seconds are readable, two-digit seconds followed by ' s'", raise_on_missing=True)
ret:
1 h 35 min 19 s
